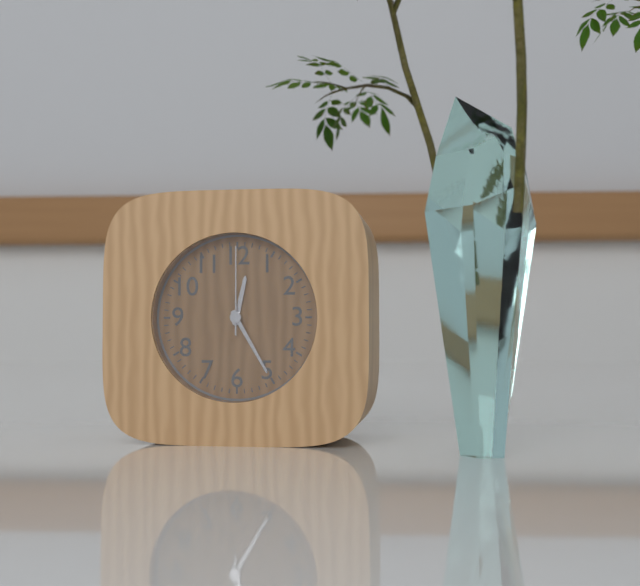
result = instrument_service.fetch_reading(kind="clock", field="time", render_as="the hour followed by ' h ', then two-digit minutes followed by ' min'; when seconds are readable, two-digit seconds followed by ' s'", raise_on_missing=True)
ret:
12 h 25 min 00 s
